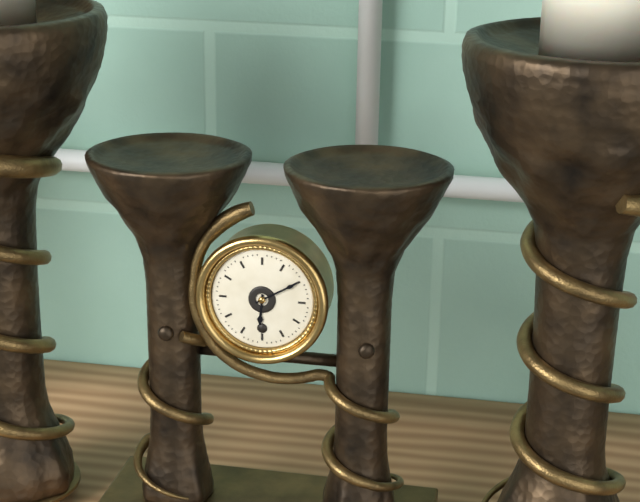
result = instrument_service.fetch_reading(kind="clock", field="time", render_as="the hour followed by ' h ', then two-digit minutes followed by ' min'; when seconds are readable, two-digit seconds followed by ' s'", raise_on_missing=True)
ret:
6 h 10 min
